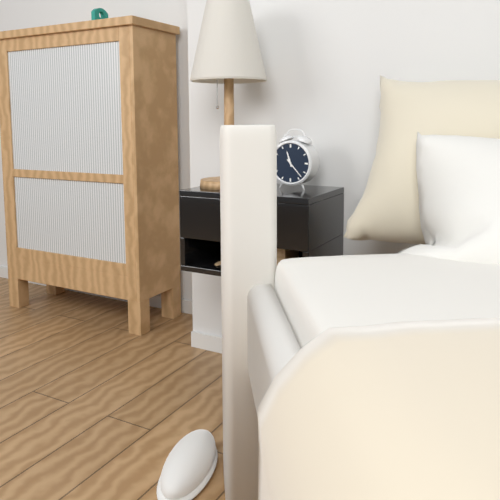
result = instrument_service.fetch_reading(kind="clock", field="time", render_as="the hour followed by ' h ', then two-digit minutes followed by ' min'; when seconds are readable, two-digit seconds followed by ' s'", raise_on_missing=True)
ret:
11 h 23 min
